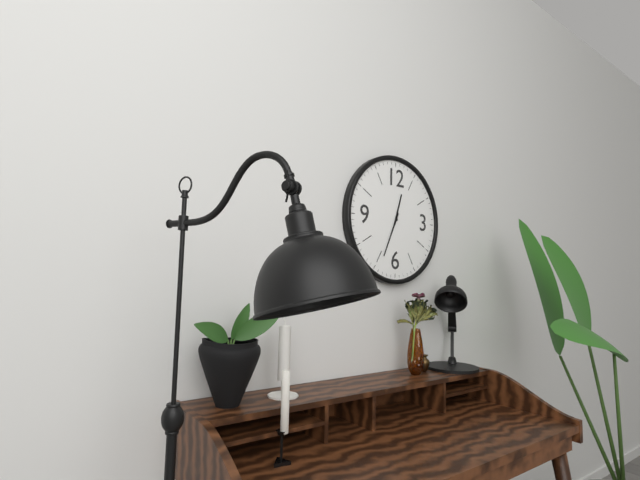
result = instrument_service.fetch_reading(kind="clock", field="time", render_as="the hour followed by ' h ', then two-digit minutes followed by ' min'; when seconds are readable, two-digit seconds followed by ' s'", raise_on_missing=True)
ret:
12 h 34 min
